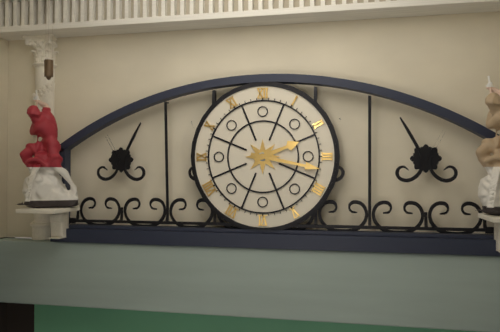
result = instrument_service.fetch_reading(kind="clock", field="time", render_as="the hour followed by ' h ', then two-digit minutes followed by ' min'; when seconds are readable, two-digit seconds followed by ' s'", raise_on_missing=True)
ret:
2 h 17 min
